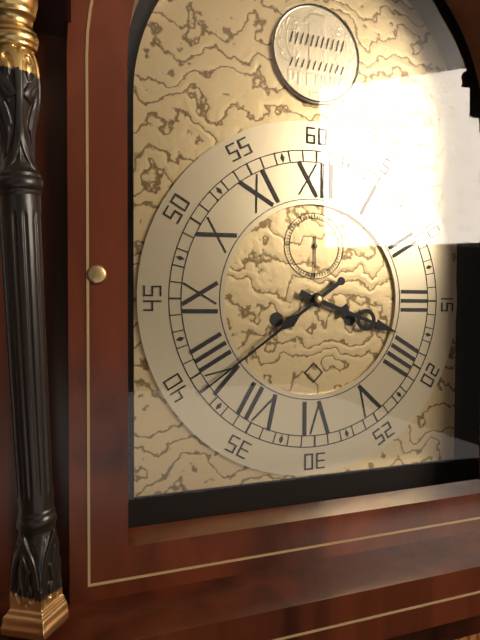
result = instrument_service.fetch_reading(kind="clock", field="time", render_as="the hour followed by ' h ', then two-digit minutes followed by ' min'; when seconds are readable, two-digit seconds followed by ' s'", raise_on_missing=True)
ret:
3 h 39 min
